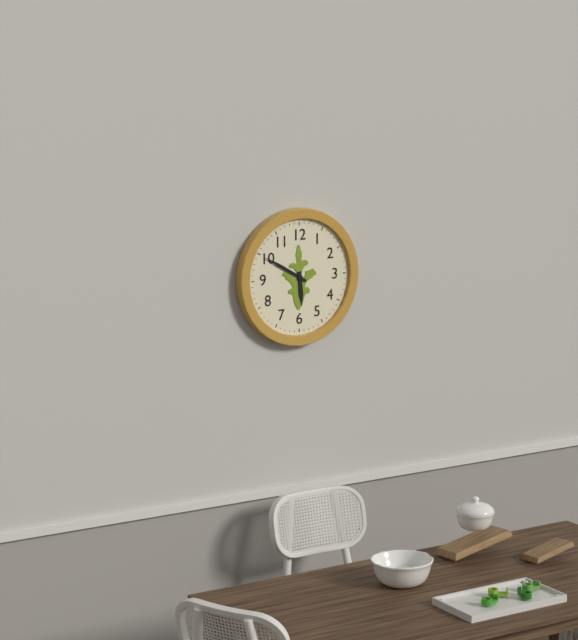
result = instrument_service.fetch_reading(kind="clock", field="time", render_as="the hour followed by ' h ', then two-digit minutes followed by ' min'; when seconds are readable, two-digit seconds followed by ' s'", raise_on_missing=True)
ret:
5 h 50 min
